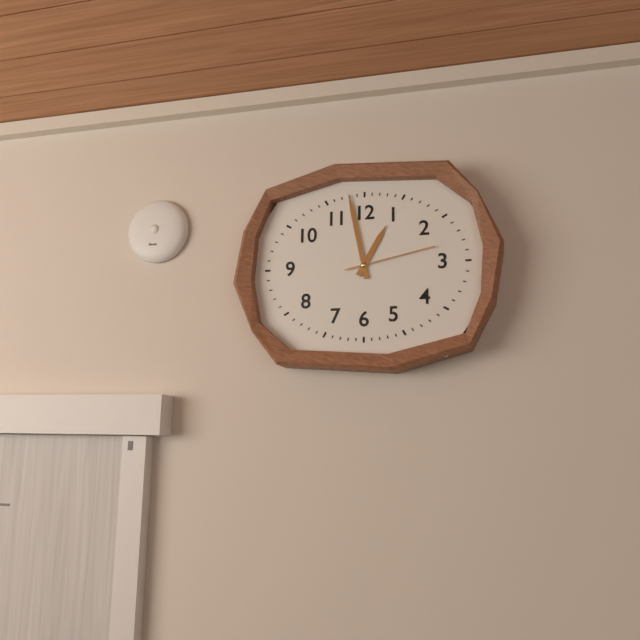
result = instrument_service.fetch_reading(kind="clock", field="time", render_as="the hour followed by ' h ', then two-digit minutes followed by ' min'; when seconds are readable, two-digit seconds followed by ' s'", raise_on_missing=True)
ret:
12 h 58 min 13 s
